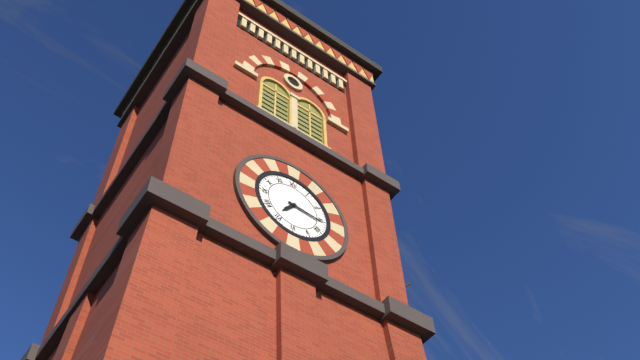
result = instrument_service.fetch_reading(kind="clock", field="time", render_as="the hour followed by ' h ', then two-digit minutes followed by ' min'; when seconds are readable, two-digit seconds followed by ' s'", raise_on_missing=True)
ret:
7 h 16 min
